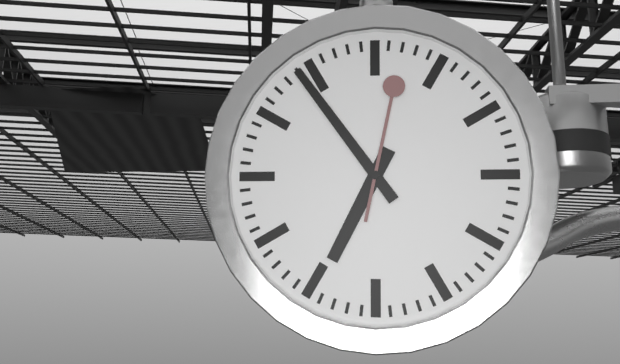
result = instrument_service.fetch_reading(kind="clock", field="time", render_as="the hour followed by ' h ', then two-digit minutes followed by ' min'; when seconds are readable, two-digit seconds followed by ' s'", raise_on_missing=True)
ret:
6 h 54 min 02 s
